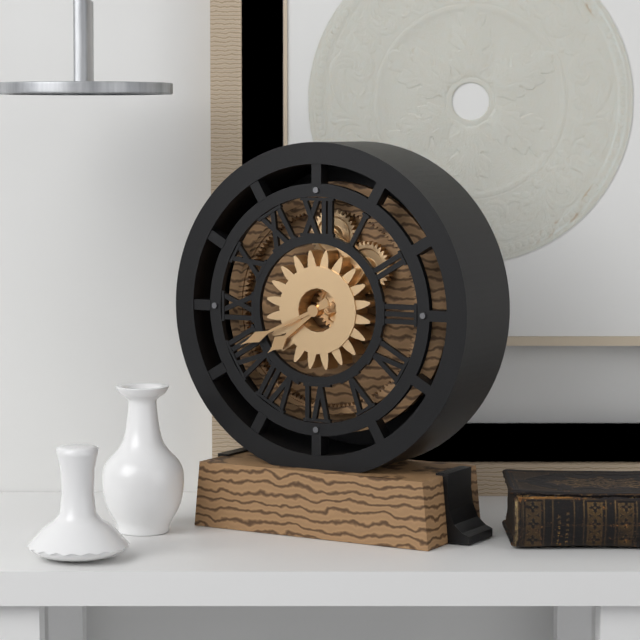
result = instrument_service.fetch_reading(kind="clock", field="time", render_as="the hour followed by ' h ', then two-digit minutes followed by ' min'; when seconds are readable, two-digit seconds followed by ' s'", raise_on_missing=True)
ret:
7 h 41 min
